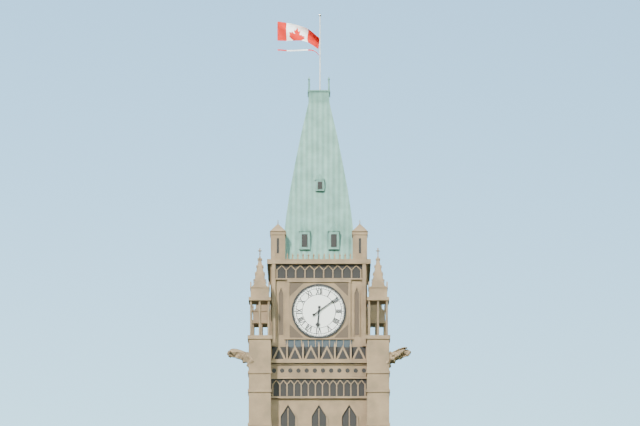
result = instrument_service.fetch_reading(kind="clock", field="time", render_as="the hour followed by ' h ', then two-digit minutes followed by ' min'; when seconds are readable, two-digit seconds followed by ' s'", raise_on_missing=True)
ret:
6 h 09 min
